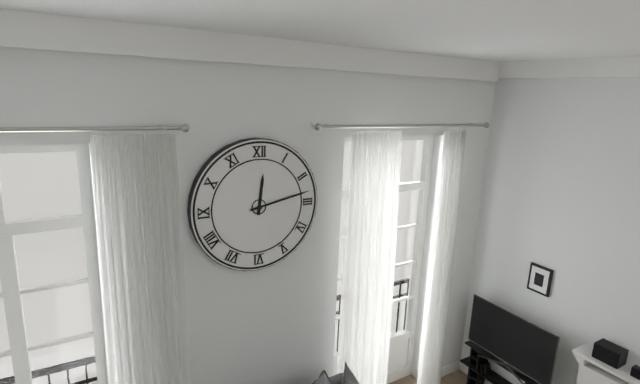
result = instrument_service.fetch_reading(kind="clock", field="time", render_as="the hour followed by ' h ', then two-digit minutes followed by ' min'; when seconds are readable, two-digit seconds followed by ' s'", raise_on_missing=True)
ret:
12 h 13 min
